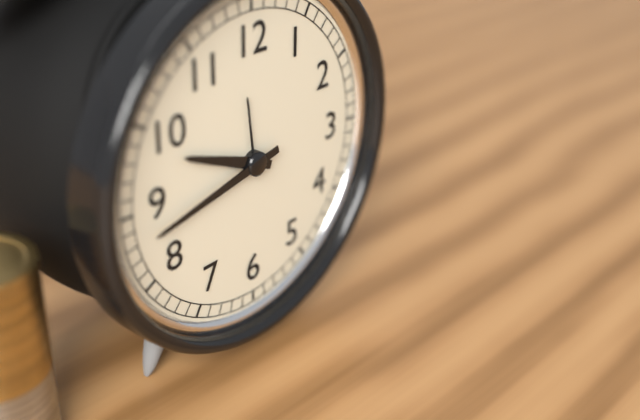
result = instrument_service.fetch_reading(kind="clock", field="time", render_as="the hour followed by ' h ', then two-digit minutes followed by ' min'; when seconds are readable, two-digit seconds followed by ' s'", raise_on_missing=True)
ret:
9 h 43 min
